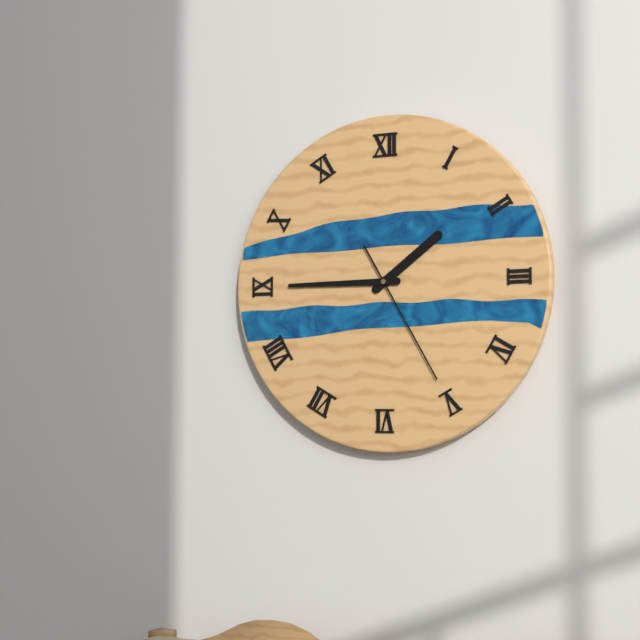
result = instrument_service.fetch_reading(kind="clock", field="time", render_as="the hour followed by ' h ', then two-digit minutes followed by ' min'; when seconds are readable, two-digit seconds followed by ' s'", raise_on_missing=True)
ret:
1 h 45 min 25 s
